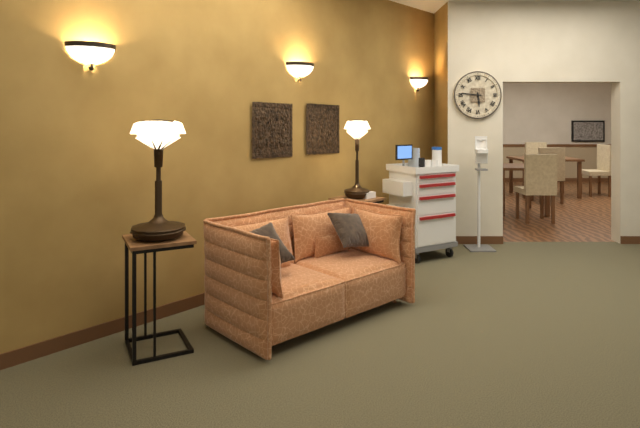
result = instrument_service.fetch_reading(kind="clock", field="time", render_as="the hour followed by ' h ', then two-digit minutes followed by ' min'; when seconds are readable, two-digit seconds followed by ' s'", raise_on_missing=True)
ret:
5 h 46 min
